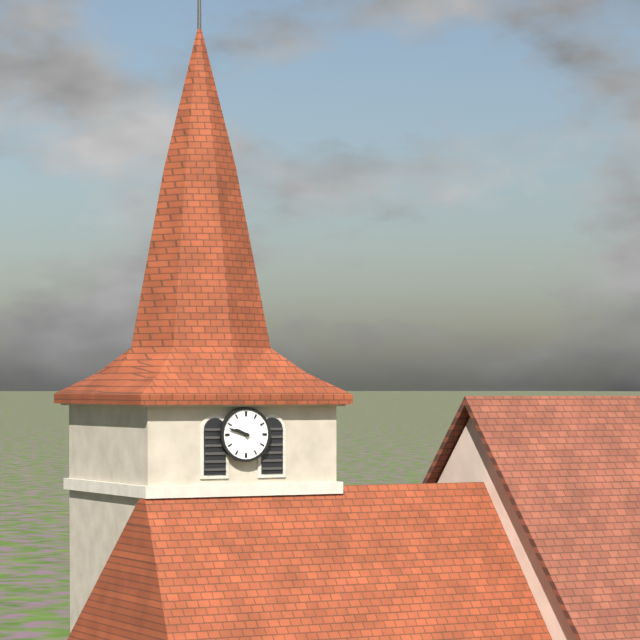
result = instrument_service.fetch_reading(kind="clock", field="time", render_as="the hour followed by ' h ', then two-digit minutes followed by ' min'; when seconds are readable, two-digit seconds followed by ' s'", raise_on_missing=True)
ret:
9 h 48 min
